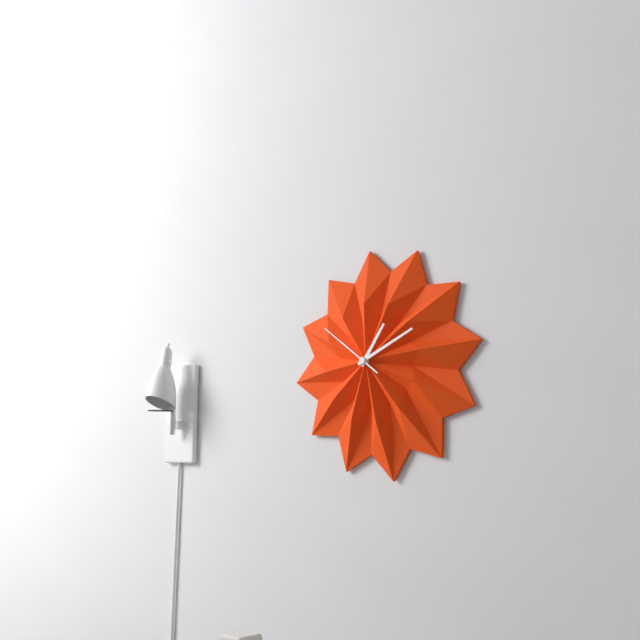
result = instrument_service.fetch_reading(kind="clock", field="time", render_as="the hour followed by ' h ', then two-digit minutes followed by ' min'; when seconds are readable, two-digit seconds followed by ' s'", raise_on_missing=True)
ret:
1 h 11 min 51 s
